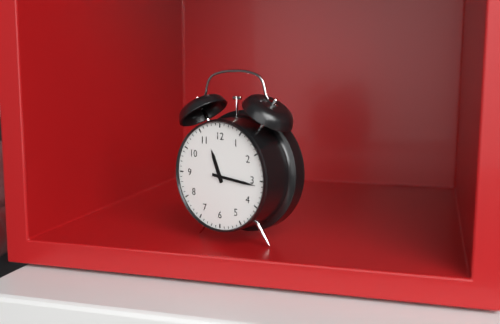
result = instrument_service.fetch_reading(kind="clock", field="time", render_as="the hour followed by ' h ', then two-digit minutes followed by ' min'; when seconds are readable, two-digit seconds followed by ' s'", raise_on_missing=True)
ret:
11 h 16 min
